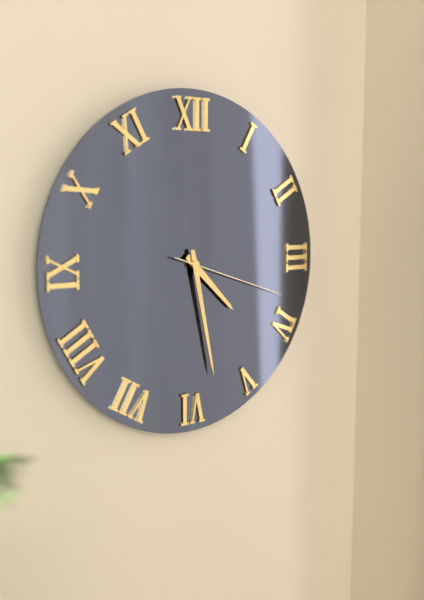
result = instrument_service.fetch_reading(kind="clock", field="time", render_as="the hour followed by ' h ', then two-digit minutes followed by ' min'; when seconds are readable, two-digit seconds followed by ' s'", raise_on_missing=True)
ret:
4 h 28 min 18 s
